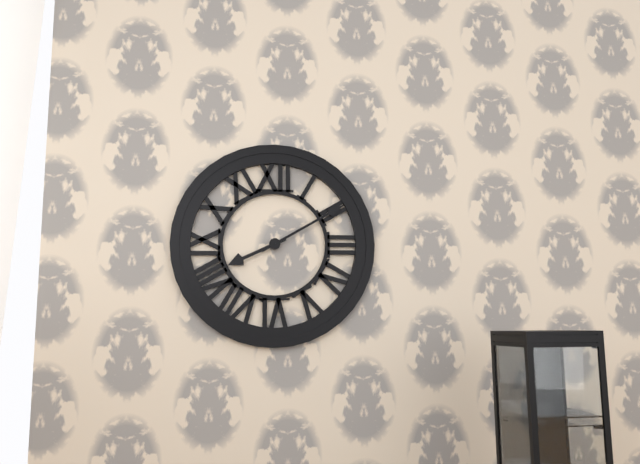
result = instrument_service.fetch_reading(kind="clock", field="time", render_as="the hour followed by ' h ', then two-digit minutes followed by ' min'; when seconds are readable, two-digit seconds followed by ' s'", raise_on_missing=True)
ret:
8 h 10 min
